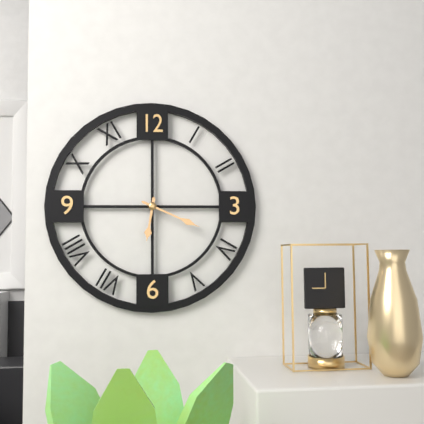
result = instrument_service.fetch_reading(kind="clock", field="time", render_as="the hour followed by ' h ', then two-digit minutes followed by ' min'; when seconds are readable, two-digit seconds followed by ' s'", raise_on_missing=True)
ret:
6 h 19 min
